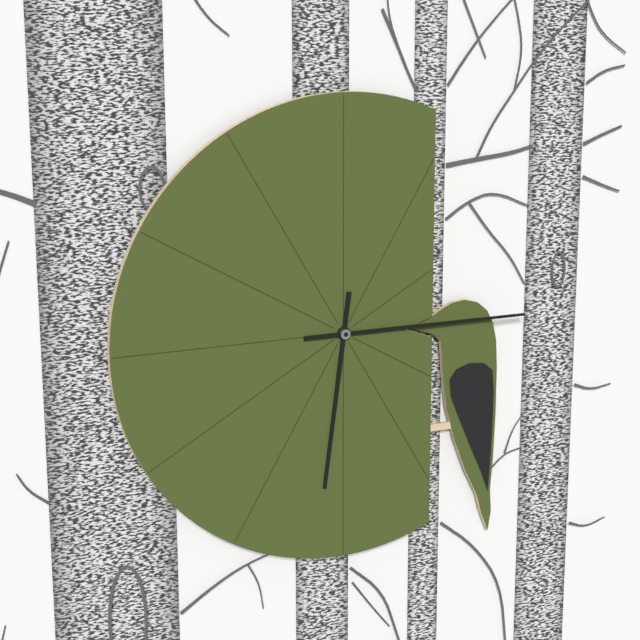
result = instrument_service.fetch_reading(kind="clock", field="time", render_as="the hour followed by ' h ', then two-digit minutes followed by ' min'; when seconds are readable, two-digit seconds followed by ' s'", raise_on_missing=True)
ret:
6 h 15 min
